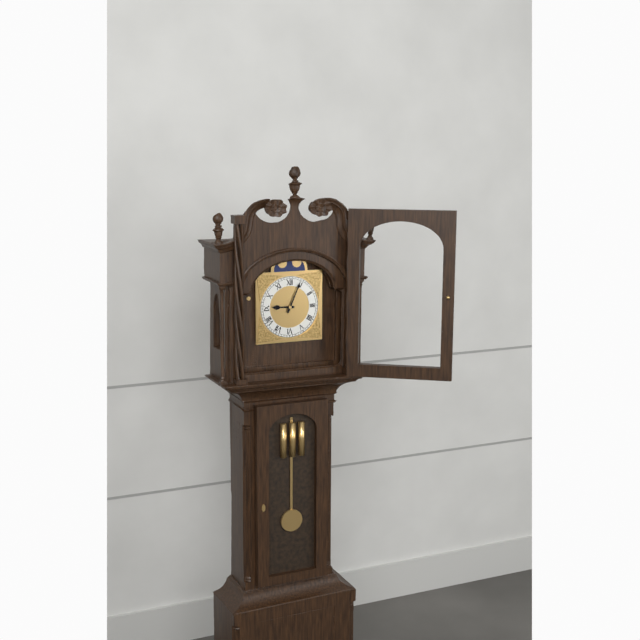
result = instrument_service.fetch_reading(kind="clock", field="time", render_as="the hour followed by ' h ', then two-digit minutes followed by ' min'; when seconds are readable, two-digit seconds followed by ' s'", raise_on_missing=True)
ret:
9 h 04 min
